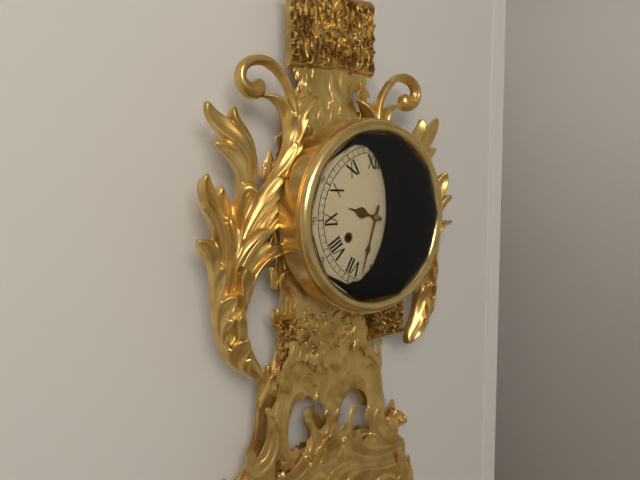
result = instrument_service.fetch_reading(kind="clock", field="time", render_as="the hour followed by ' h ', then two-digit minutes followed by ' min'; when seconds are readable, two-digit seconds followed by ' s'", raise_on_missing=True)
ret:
9 h 33 min
